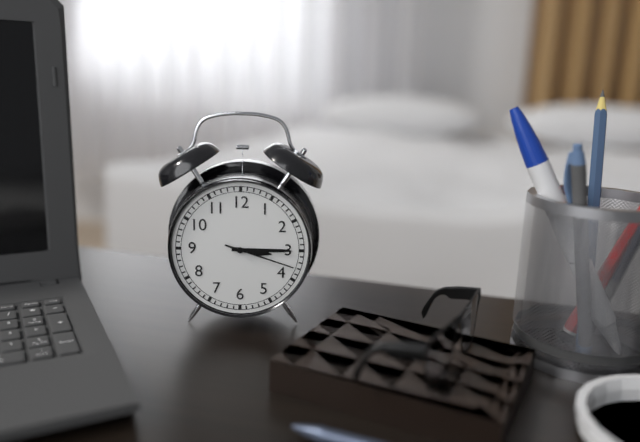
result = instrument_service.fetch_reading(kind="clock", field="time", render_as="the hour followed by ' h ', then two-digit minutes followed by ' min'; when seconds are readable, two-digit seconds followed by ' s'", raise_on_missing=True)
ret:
3 h 15 min 18 s
